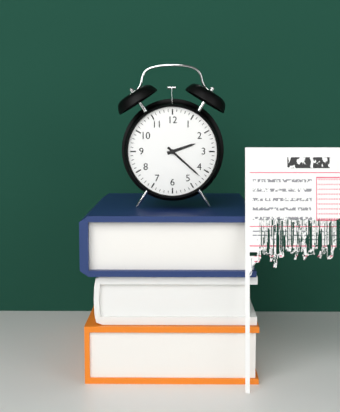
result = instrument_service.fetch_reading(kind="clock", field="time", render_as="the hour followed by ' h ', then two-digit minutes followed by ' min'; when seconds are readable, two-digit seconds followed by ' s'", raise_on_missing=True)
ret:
2 h 22 min
